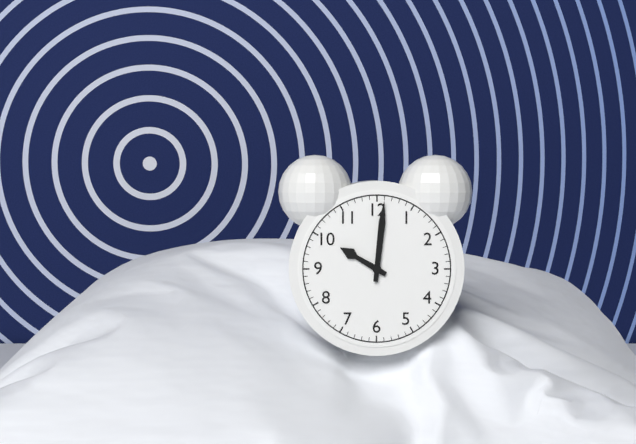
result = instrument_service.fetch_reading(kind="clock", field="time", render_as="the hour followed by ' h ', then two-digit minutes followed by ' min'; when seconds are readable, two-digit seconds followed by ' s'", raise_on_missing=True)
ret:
10 h 01 min
